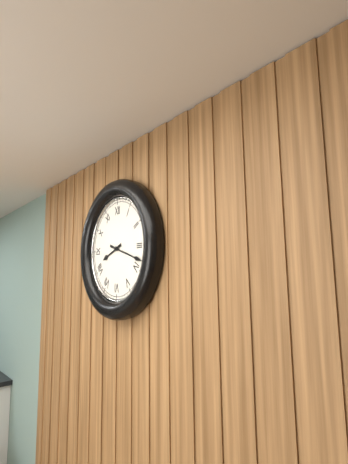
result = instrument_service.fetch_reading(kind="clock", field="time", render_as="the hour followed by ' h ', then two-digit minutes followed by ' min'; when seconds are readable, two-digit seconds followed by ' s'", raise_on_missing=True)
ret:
8 h 18 min
